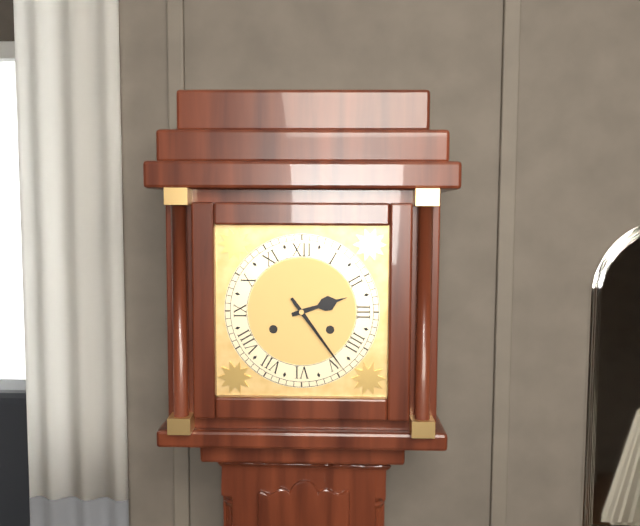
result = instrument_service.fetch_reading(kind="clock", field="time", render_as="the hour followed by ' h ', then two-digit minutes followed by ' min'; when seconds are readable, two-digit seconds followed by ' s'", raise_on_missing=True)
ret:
2 h 24 min
